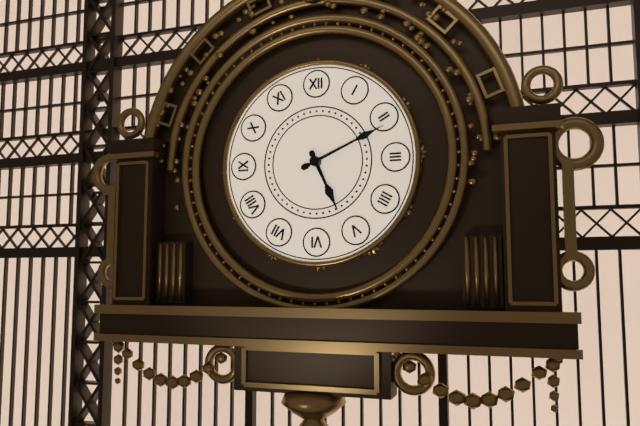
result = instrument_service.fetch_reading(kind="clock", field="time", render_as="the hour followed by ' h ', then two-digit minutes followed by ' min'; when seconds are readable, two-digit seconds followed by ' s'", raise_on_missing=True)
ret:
5 h 11 min
